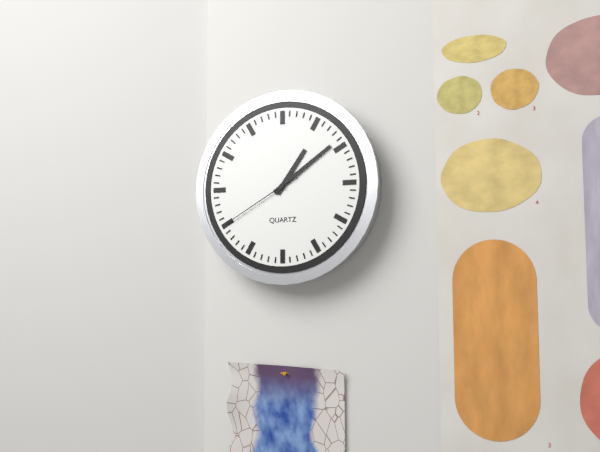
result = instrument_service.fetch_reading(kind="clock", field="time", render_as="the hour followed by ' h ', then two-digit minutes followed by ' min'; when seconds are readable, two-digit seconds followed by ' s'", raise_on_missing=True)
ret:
1 h 09 min 40 s
